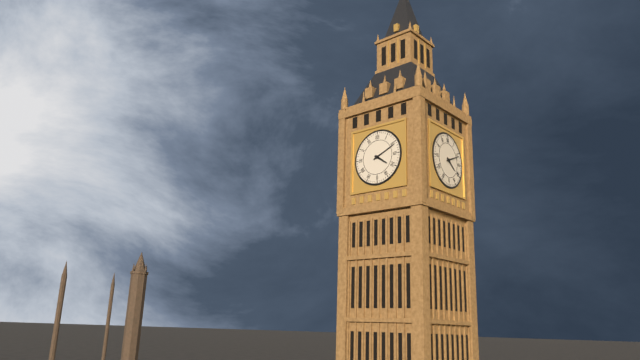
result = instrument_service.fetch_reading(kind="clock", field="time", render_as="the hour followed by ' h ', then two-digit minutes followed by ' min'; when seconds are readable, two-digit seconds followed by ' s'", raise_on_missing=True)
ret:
4 h 11 min
